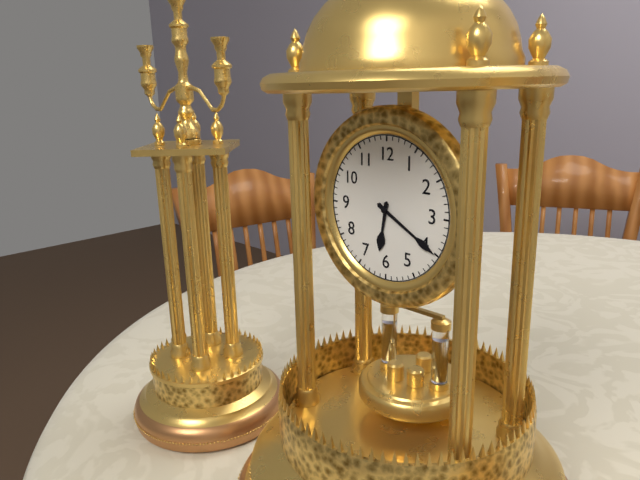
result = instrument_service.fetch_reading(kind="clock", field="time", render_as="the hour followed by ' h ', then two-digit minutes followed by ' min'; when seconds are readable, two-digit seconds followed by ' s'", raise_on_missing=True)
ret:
6 h 20 min
